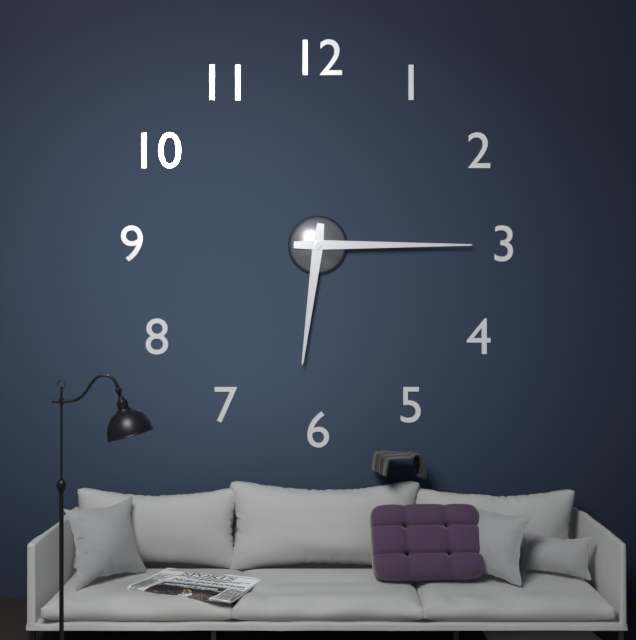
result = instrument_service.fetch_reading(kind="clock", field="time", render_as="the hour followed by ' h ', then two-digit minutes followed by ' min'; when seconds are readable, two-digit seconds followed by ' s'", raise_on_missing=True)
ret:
6 h 15 min
